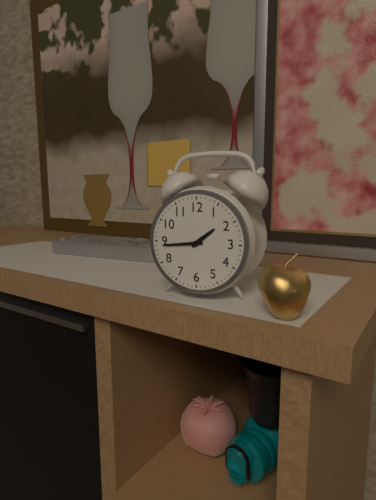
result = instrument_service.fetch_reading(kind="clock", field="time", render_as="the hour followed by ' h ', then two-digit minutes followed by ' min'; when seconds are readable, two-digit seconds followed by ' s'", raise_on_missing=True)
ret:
1 h 44 min
